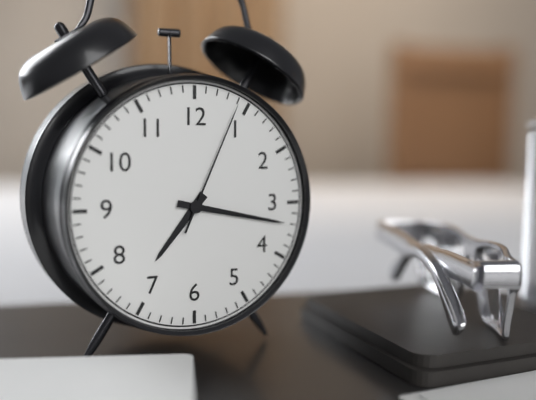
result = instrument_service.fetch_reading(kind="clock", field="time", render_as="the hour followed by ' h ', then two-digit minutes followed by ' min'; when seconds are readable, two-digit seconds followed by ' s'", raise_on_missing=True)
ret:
7 h 17 min 04 s
